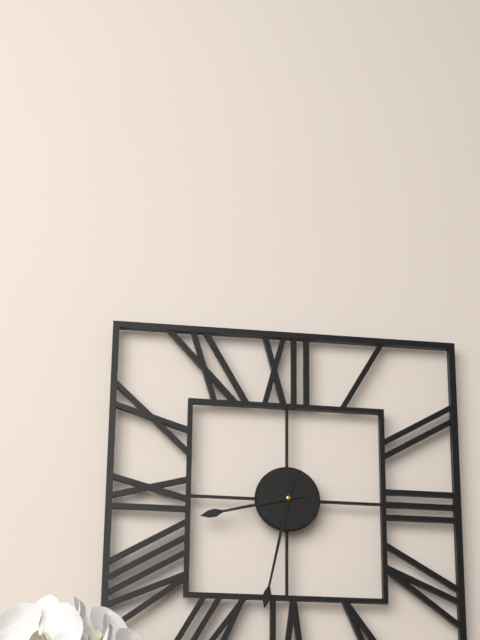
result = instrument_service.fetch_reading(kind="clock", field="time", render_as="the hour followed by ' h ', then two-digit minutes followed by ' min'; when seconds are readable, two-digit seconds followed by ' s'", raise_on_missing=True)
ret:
8 h 32 min
